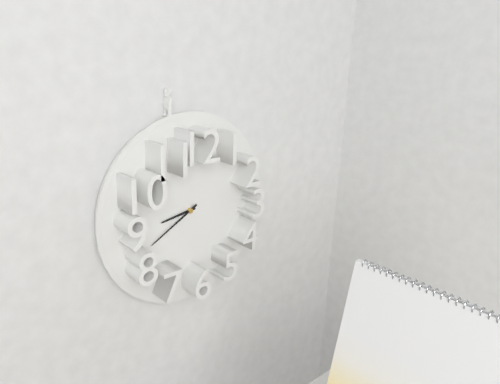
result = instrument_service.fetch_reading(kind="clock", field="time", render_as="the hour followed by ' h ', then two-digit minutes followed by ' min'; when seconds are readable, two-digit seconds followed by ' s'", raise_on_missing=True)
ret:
8 h 40 min
